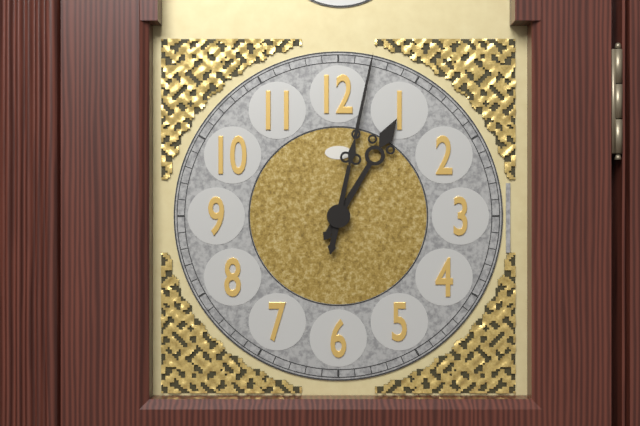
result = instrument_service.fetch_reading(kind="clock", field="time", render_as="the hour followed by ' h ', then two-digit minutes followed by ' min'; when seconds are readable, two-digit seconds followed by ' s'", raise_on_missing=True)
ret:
1 h 02 min
